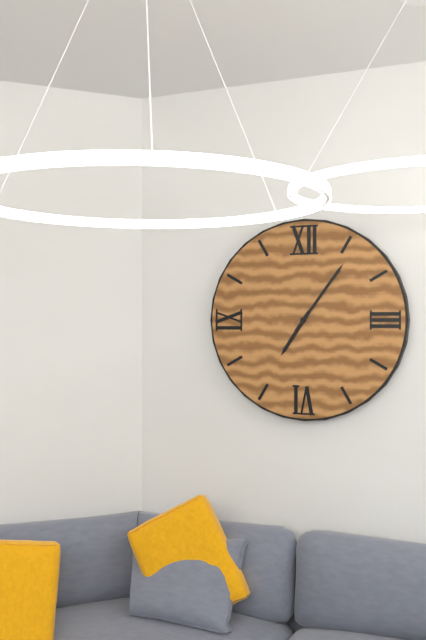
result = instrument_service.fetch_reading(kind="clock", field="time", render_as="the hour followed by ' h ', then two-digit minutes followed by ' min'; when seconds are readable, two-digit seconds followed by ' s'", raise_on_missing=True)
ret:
7 h 06 min
